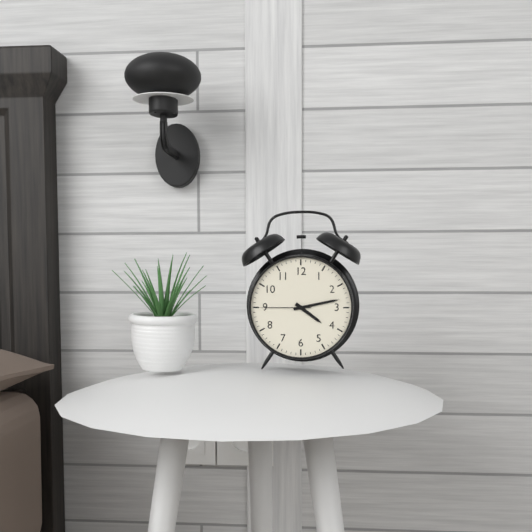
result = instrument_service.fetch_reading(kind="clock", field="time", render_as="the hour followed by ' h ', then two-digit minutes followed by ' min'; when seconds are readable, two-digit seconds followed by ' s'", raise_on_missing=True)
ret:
4 h 13 min 45 s
